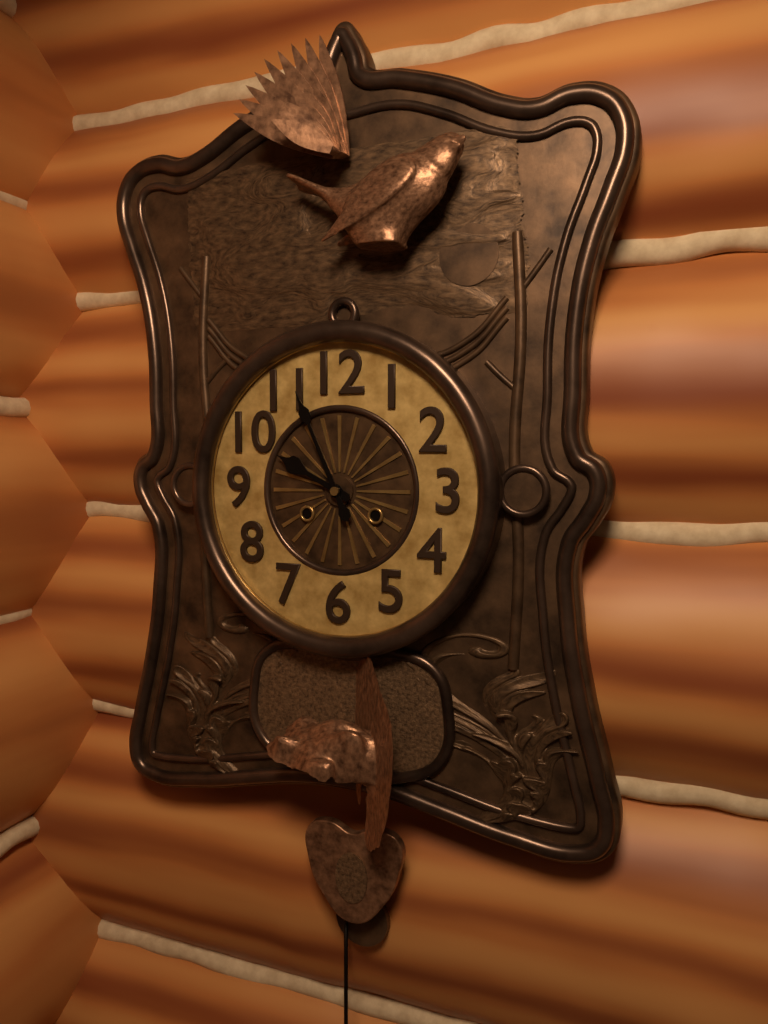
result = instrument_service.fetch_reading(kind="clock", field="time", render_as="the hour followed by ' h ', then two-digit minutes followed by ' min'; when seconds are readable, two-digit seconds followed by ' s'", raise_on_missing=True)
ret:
9 h 56 min
